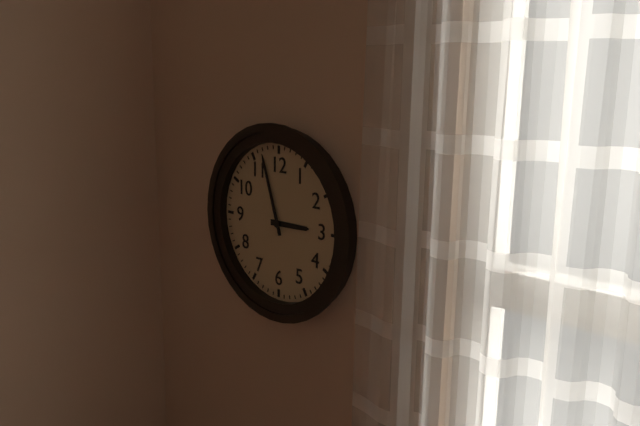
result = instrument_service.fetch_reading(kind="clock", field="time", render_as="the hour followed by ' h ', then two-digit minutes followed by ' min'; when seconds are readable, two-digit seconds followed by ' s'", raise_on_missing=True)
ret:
2 h 57 min
